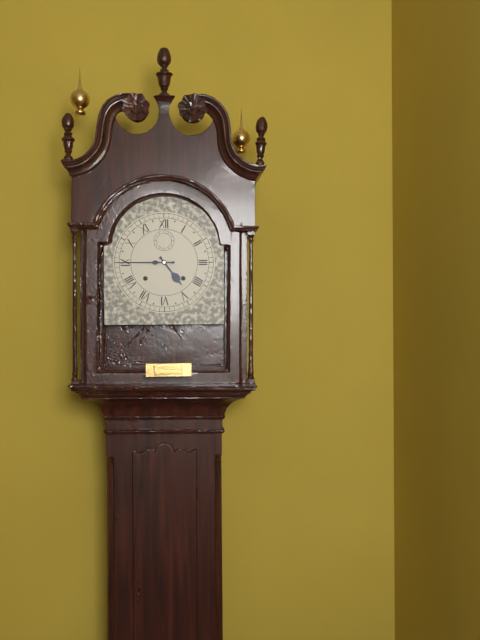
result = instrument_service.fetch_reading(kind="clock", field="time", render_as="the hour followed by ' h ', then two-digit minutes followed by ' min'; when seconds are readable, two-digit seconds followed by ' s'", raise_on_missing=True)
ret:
4 h 45 min
